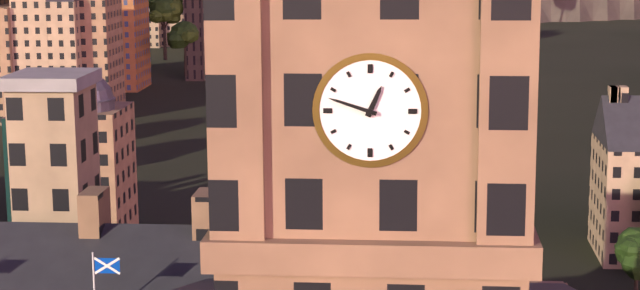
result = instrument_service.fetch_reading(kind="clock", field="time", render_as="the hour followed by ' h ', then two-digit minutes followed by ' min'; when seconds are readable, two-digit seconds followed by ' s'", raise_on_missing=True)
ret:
12 h 48 min
